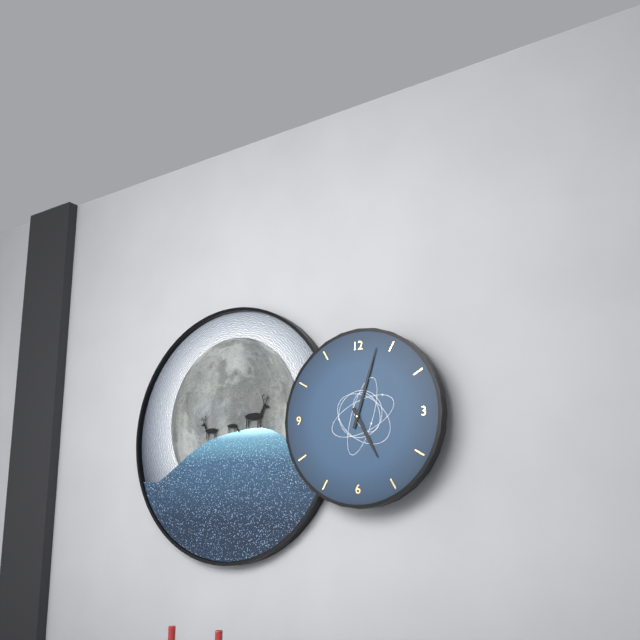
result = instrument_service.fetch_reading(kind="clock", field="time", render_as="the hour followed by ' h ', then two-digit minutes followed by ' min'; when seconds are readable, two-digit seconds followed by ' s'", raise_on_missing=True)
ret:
5 h 03 min
